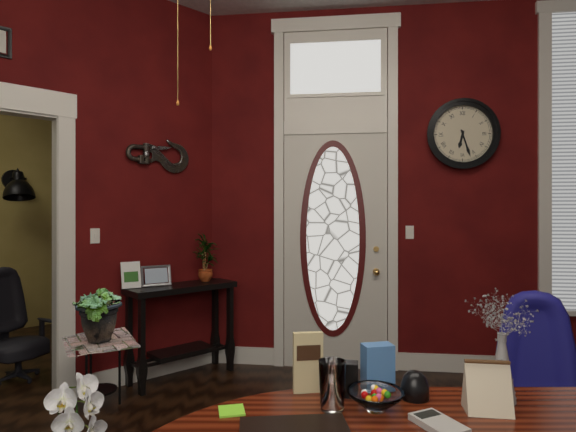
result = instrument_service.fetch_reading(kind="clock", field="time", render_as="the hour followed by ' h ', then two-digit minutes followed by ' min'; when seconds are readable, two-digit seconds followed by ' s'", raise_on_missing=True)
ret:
6 h 27 min
